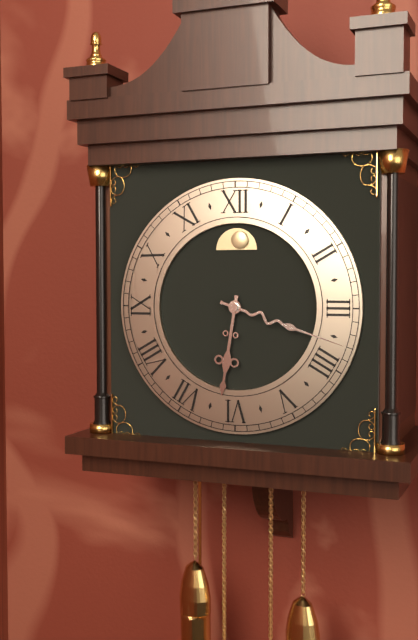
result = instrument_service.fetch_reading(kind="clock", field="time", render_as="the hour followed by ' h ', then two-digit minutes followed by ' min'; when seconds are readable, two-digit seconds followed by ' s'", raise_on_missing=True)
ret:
6 h 18 min
